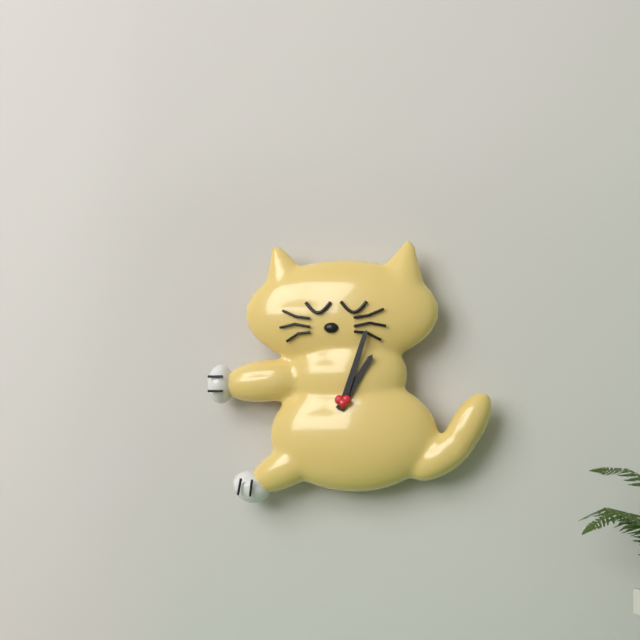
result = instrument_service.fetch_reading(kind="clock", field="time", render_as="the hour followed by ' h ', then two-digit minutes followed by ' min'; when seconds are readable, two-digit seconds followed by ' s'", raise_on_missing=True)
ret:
1 h 03 min
